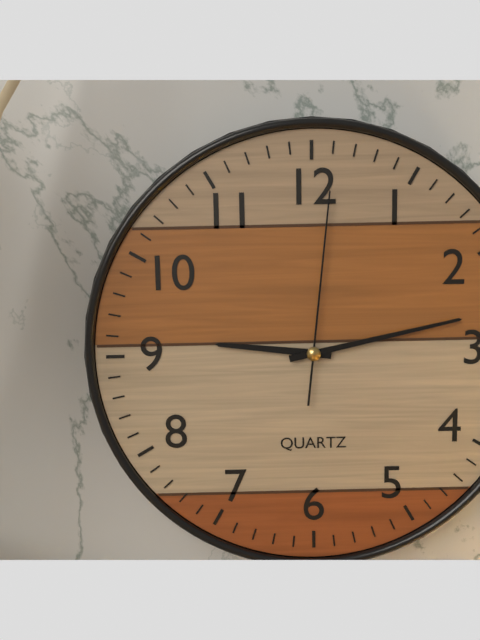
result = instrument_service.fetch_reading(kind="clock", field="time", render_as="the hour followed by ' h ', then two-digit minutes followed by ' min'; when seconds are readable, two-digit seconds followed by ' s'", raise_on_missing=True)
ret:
9 h 13 min 01 s
